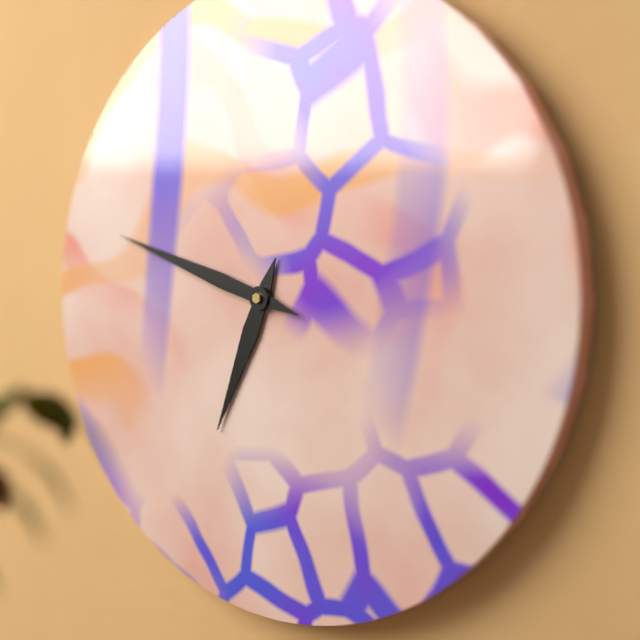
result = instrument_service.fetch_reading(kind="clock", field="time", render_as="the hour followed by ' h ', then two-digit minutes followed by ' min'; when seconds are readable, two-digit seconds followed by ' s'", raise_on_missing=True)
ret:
6 h 48 min
